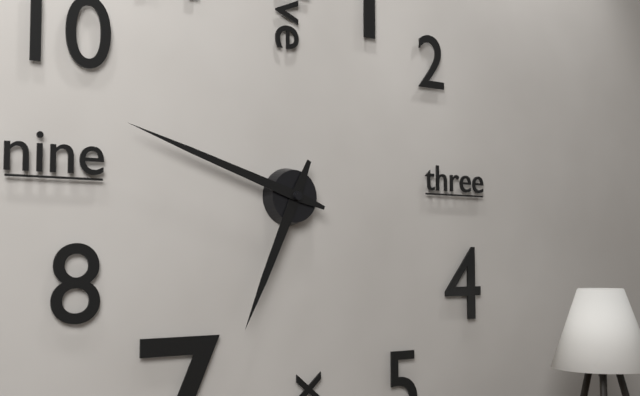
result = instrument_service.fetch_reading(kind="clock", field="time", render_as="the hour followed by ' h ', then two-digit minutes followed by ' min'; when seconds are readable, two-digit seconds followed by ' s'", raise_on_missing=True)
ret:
6 h 48 min
